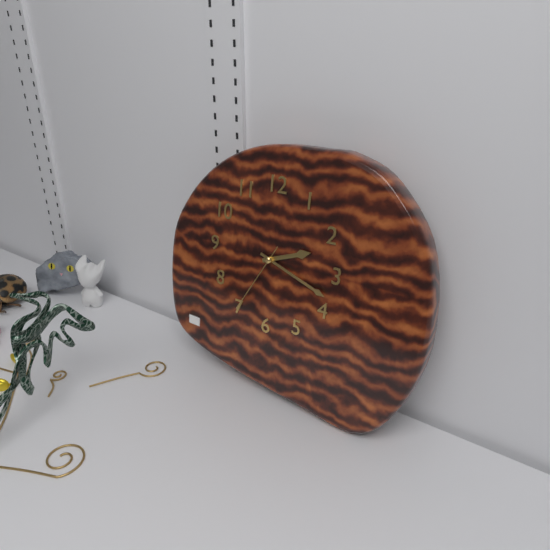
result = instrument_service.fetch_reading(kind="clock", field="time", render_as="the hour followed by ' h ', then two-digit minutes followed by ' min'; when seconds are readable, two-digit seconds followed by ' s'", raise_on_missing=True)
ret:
2 h 18 min 35 s
